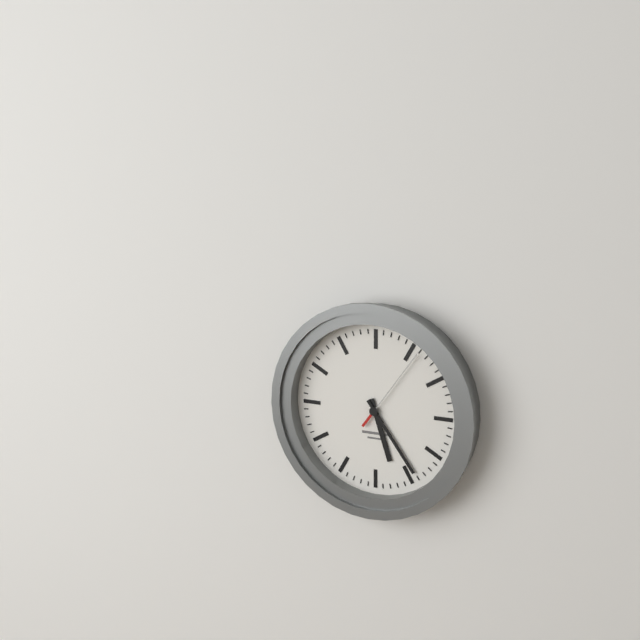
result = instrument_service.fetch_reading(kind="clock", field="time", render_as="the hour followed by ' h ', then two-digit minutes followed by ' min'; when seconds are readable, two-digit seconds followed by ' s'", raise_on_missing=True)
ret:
5 h 24 min 06 s
